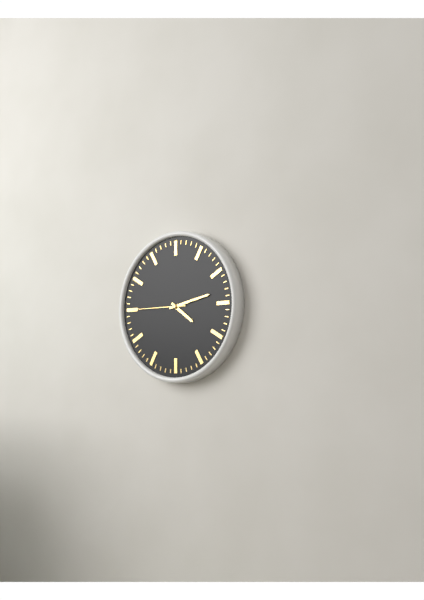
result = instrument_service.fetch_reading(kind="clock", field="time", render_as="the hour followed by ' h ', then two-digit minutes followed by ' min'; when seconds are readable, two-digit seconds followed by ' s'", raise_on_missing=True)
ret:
4 h 13 min 45 s
